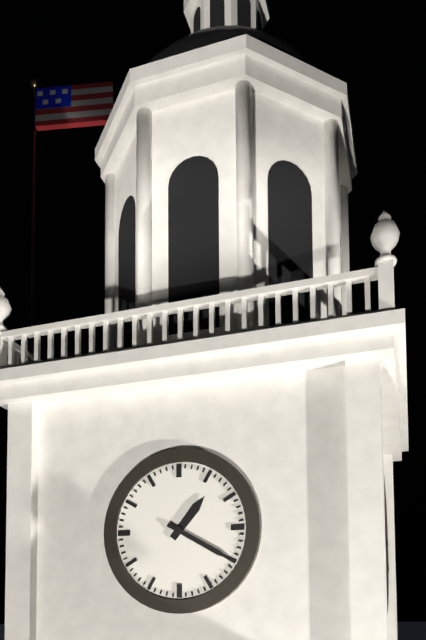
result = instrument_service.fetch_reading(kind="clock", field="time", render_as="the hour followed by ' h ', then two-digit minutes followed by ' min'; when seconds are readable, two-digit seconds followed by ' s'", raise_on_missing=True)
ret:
1 h 20 min
